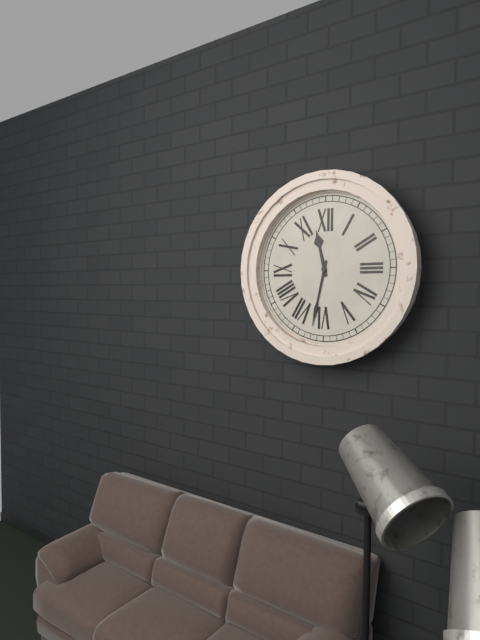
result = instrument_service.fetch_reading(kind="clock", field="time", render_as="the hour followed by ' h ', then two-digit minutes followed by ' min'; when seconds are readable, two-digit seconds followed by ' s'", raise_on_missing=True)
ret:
11 h 32 min
